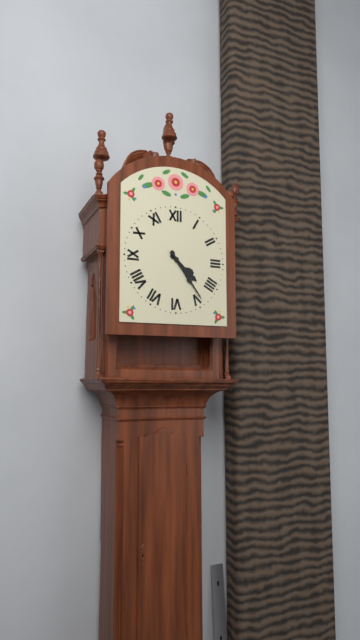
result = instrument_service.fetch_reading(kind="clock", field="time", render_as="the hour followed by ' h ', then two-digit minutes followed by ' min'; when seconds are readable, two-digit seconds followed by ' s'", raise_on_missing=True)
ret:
4 h 24 min
